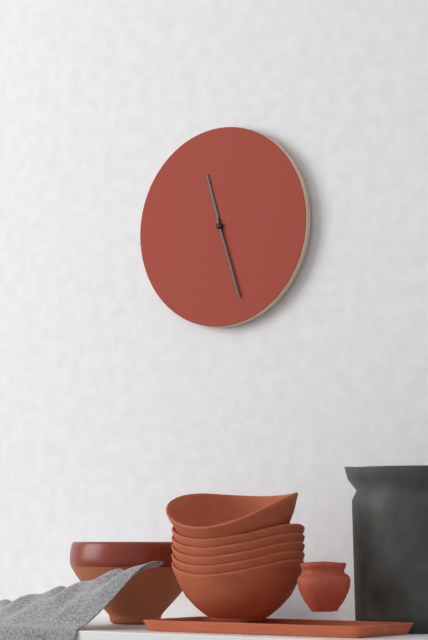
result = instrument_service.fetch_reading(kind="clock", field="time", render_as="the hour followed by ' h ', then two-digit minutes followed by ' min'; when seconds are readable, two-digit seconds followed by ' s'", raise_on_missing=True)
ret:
11 h 27 min
